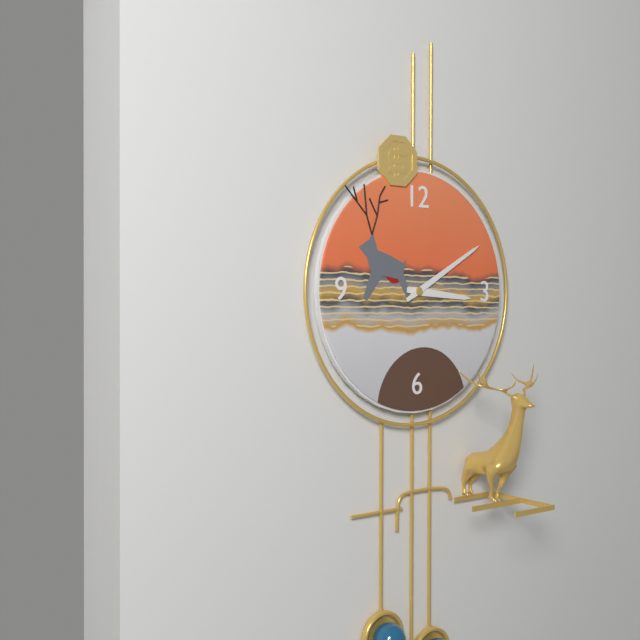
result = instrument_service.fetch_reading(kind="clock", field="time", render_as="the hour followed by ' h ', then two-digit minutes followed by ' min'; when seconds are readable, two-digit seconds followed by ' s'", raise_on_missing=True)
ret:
3 h 10 min
